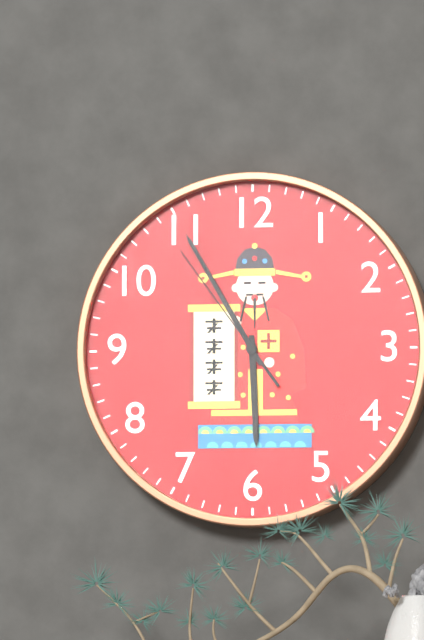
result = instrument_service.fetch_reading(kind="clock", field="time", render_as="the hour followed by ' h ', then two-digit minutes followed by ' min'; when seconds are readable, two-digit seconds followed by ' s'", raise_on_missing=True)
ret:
5 h 55 min 54 s
